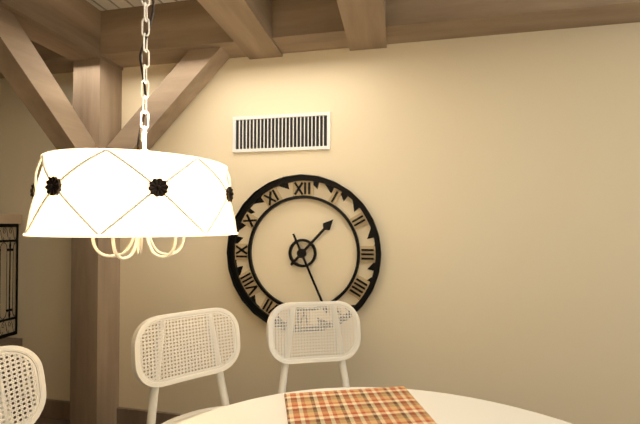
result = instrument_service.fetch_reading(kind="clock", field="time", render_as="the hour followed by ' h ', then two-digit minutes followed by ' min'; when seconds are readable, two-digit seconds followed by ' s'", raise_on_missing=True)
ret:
1 h 26 min
